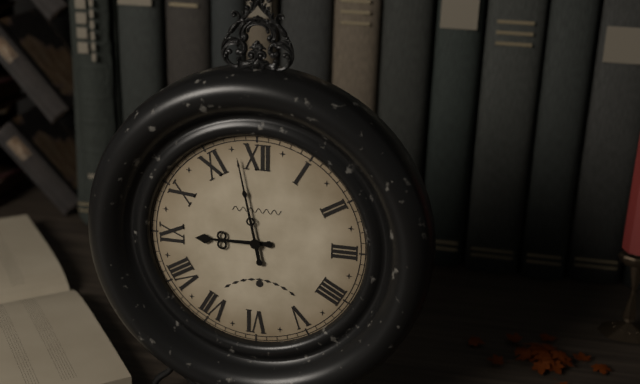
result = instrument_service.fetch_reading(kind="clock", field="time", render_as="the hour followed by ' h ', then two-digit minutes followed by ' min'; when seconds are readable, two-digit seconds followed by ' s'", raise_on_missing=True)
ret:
8 h 58 min
